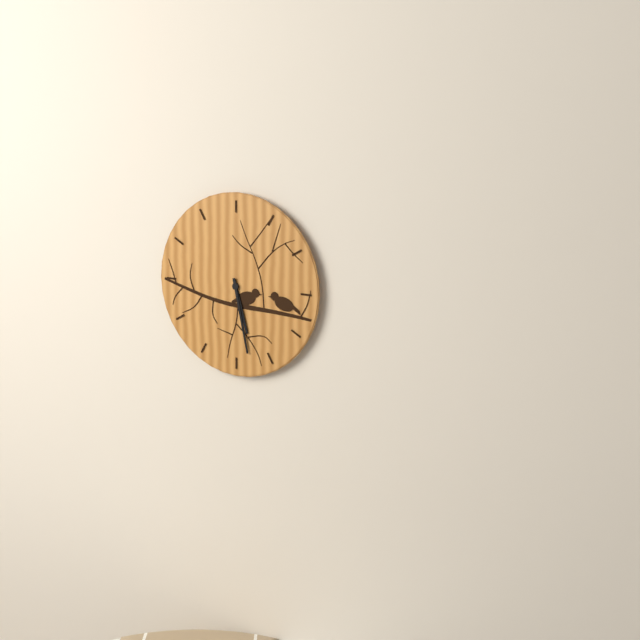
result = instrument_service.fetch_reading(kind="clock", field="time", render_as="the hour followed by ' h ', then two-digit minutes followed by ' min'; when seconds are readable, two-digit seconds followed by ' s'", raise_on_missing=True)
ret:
5 h 28 min
